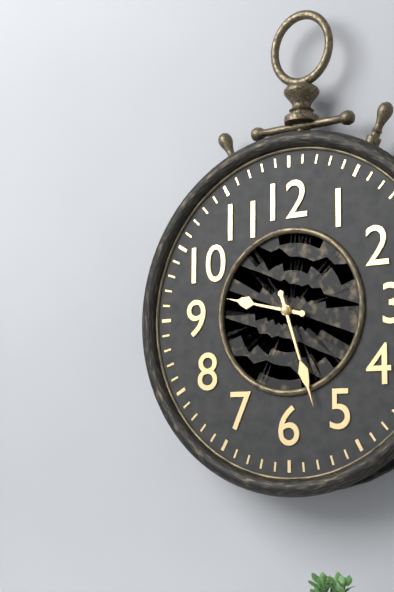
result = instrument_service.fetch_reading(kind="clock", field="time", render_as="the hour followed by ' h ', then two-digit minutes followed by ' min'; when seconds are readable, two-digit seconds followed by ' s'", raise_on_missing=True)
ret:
9 h 27 min
